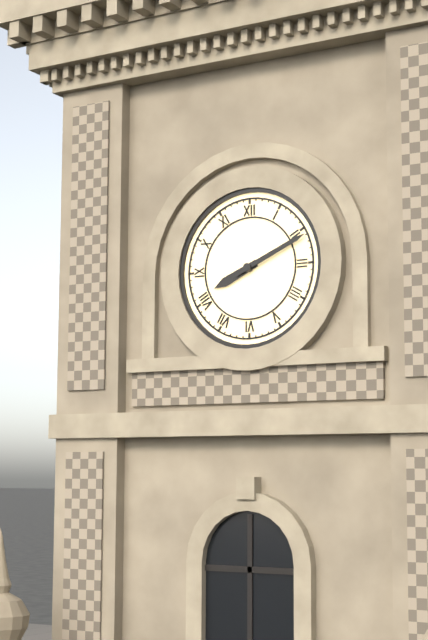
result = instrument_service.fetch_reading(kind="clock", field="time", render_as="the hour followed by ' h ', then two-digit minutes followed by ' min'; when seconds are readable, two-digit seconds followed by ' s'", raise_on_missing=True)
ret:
8 h 11 min
